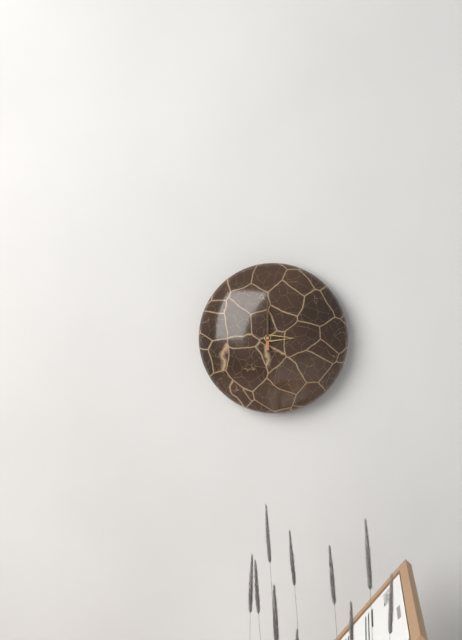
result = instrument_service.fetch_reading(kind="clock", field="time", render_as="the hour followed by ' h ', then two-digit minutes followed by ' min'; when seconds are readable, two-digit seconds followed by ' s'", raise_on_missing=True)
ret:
3 h 00 min
